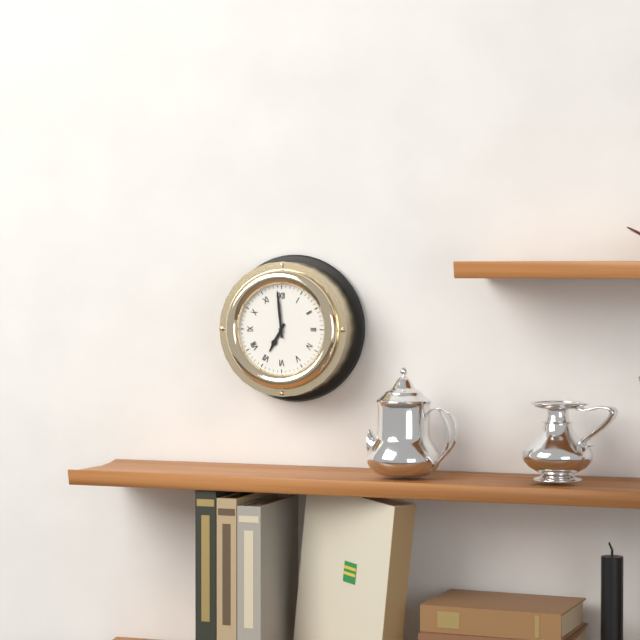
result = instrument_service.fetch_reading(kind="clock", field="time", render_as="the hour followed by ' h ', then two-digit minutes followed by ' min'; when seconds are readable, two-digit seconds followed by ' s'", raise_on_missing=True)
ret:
6 h 59 min
